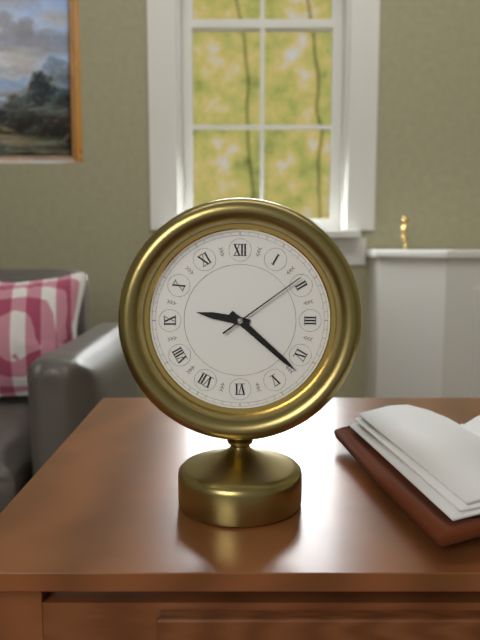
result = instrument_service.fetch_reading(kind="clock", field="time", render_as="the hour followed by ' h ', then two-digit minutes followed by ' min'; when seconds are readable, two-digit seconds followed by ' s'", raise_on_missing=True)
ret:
9 h 22 min 09 s
